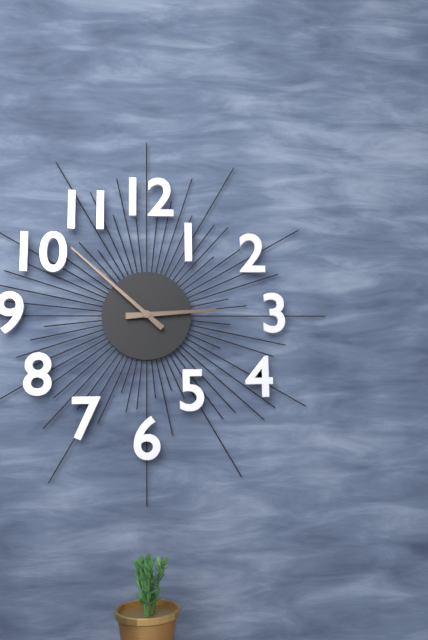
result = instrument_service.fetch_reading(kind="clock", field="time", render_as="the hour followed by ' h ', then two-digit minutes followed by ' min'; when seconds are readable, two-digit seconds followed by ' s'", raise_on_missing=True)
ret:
2 h 52 min
